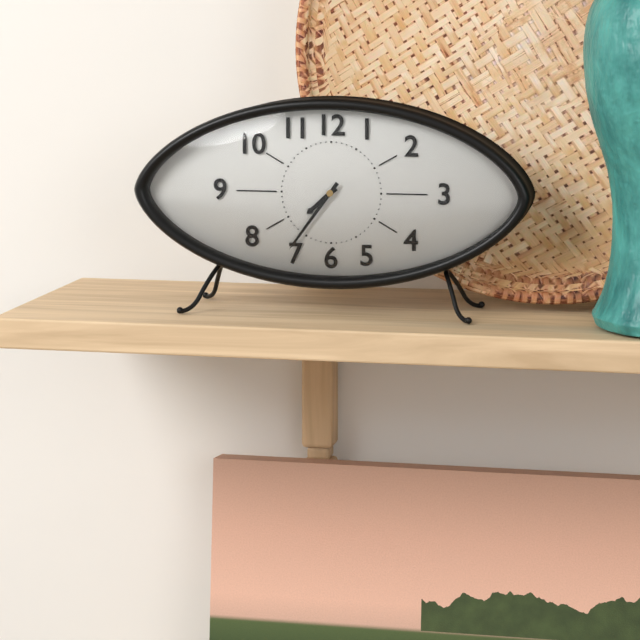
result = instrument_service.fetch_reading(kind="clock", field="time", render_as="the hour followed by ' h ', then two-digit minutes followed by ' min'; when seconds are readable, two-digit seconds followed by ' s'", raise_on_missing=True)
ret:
7 h 36 min
